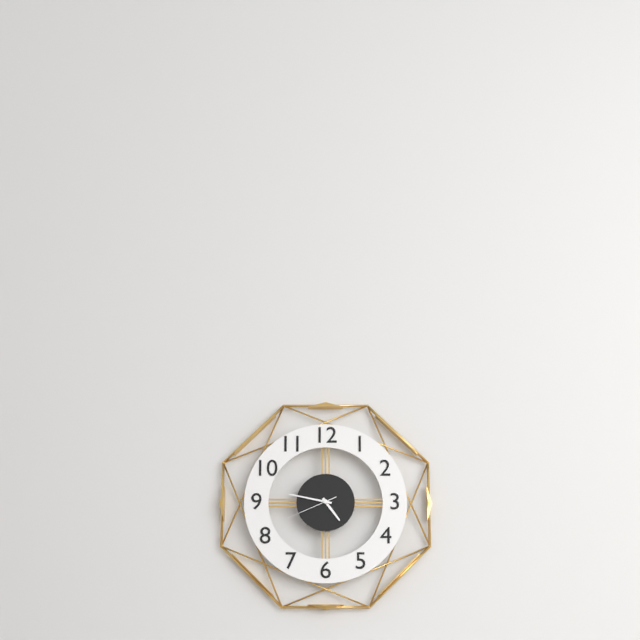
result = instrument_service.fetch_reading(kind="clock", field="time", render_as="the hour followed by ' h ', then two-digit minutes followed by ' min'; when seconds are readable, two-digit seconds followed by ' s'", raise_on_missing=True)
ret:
4 h 47 min 41 s
